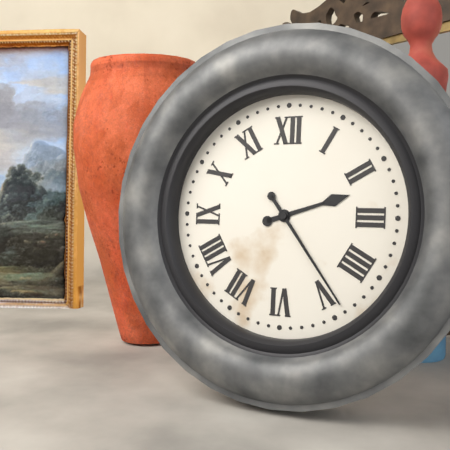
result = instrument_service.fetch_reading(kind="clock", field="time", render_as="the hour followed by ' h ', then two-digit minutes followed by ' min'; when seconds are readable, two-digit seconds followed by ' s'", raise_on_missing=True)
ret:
2 h 24 min
